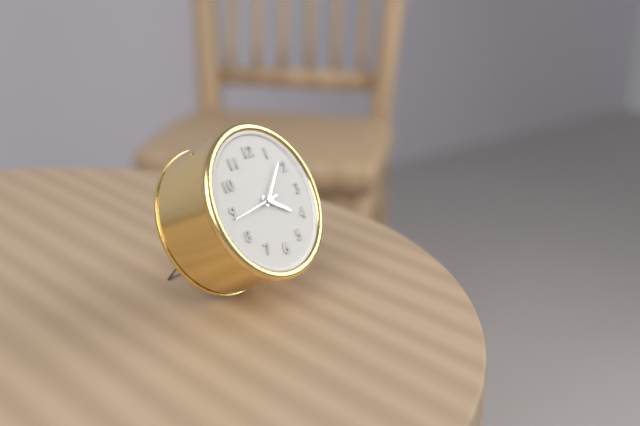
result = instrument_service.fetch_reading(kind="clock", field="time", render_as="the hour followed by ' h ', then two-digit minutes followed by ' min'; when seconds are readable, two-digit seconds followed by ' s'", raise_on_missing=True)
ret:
4 h 08 min
